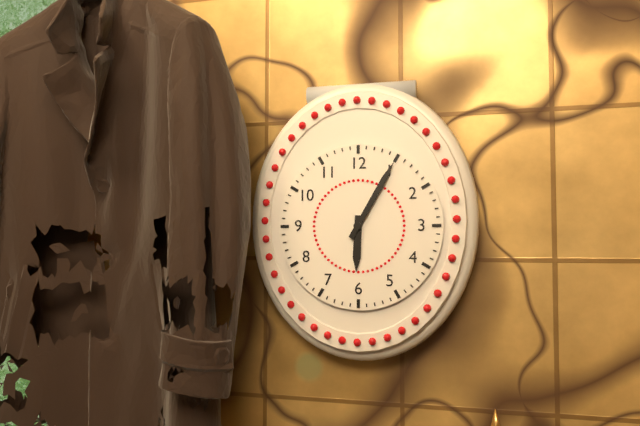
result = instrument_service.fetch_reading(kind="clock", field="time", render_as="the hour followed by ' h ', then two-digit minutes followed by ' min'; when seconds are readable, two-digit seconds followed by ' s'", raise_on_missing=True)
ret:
6 h 05 min
